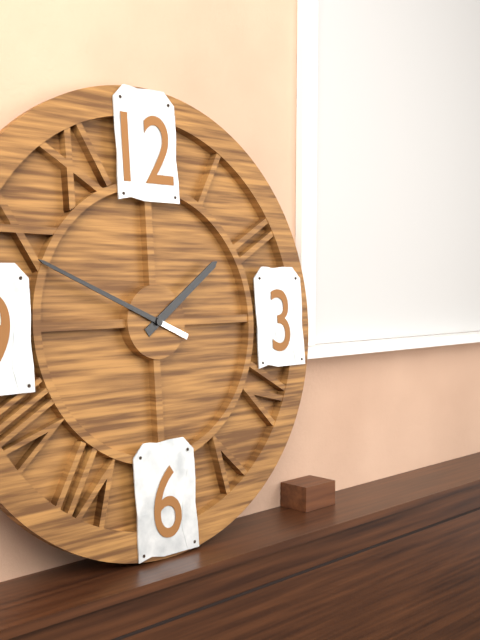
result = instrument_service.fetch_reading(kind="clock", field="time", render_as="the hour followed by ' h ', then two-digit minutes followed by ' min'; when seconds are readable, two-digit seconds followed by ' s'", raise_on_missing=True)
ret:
1 h 49 min
